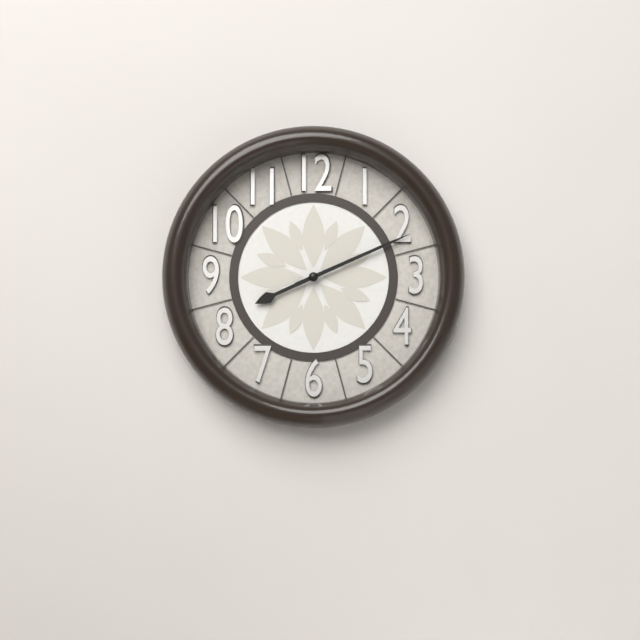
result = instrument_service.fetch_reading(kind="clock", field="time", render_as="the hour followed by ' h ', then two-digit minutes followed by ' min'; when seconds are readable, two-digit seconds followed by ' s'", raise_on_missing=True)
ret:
8 h 11 min
